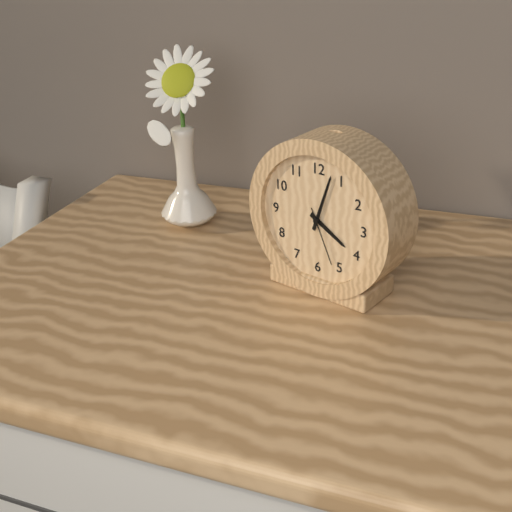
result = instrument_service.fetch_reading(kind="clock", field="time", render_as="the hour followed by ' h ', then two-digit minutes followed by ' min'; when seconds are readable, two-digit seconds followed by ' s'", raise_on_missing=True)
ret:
4 h 03 min 26 s
